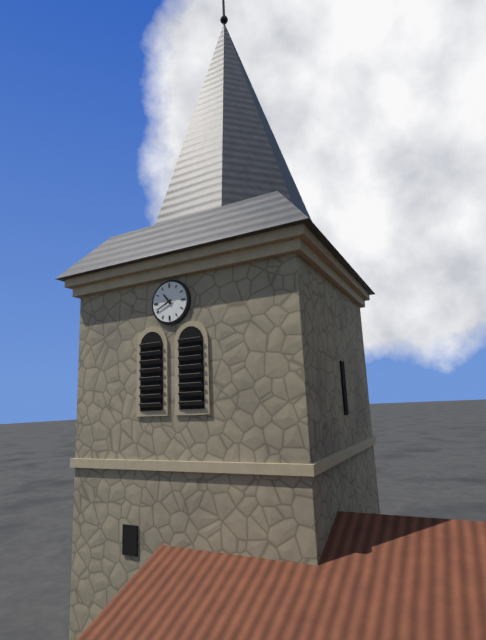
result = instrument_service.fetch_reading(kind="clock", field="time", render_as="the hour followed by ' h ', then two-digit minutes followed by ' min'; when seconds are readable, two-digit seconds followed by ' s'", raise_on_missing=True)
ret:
10 h 41 min
